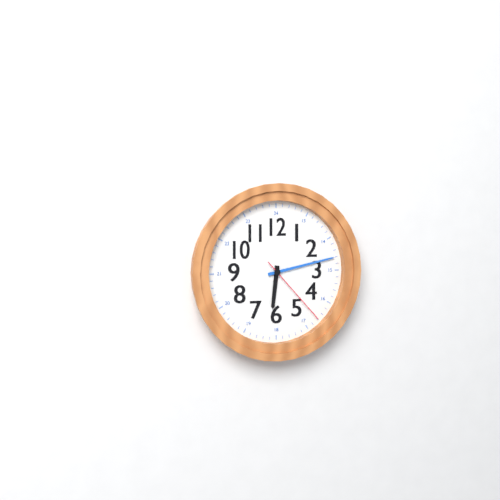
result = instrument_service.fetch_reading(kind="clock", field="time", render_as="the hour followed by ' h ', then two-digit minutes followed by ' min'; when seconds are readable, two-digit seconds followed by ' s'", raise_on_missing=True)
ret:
6 h 13 min 23 s
